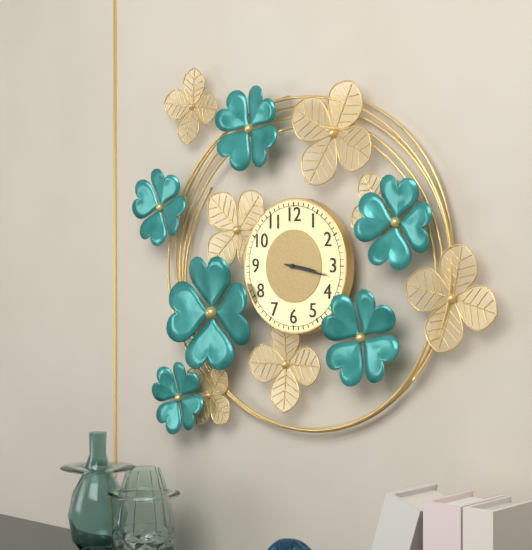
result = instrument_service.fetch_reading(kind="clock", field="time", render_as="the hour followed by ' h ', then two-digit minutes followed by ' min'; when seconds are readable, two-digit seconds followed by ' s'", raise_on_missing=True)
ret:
3 h 17 min
